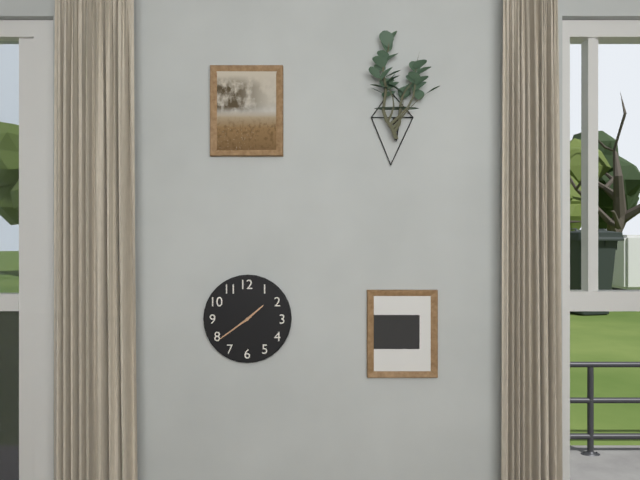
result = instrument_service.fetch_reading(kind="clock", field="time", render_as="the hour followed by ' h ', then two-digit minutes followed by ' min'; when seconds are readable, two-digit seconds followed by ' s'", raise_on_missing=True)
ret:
1 h 39 min
